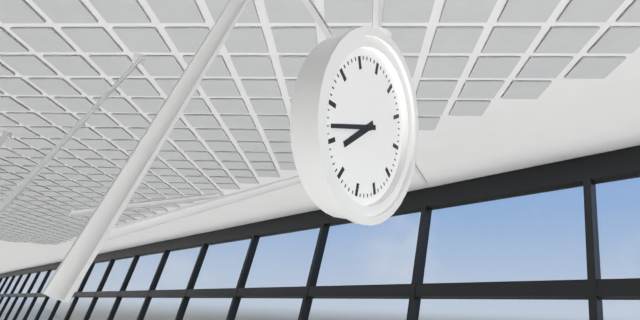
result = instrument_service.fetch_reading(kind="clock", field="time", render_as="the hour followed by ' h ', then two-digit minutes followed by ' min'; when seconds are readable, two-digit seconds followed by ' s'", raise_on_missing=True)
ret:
7 h 42 min
